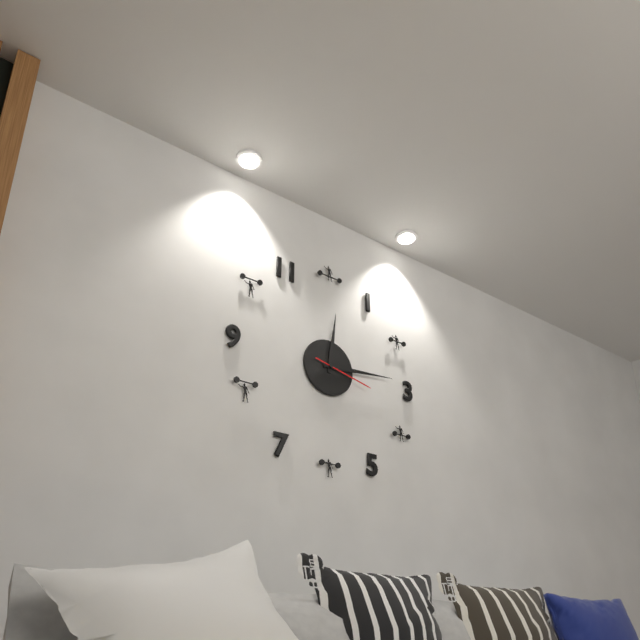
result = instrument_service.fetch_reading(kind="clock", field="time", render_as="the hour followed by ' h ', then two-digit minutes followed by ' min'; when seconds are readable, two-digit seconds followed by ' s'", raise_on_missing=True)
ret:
12 h 14 min 17 s
